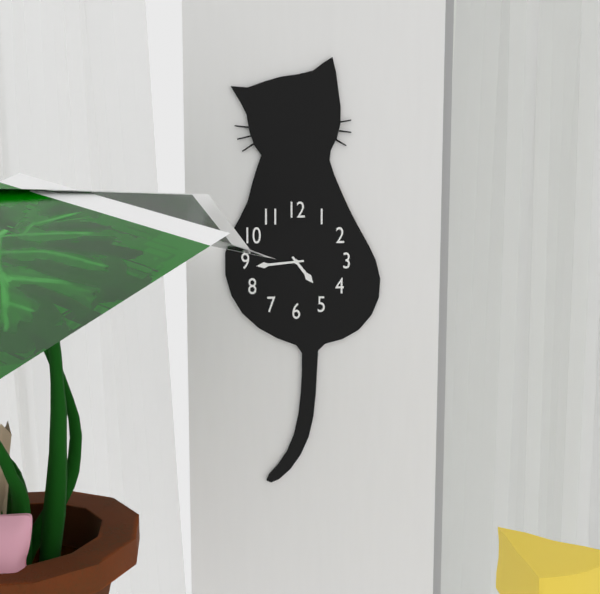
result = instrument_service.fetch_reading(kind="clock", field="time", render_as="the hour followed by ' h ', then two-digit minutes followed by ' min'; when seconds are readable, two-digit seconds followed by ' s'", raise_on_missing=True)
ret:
4 h 44 min
